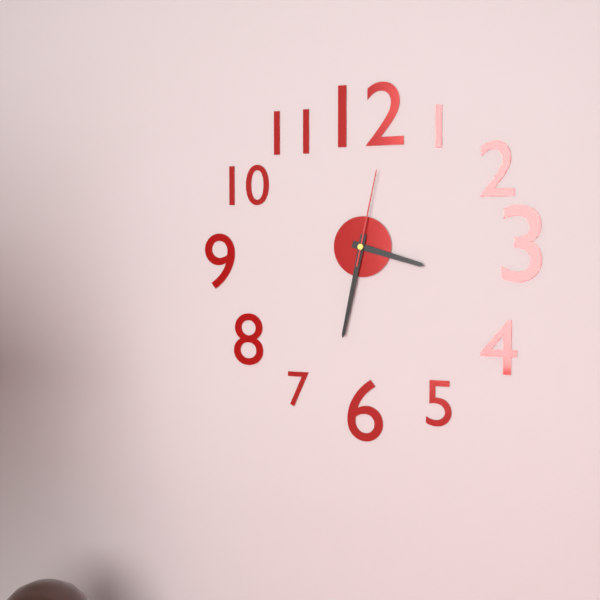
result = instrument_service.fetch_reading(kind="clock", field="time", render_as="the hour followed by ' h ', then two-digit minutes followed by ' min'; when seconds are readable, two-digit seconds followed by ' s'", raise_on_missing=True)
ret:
3 h 32 min 02 s
